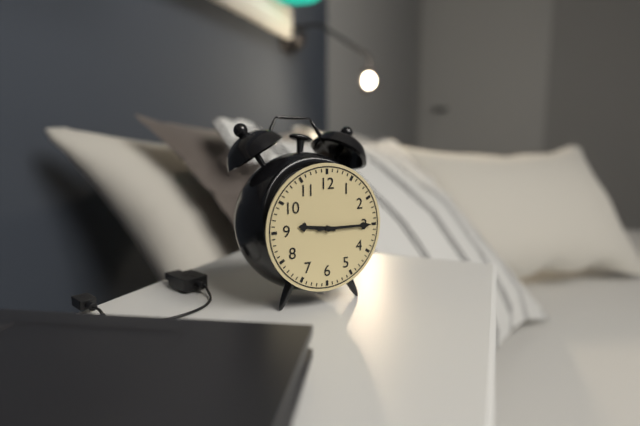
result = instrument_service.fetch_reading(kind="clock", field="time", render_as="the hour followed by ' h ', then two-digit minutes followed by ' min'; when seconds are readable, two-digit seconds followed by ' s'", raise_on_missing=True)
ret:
9 h 15 min
